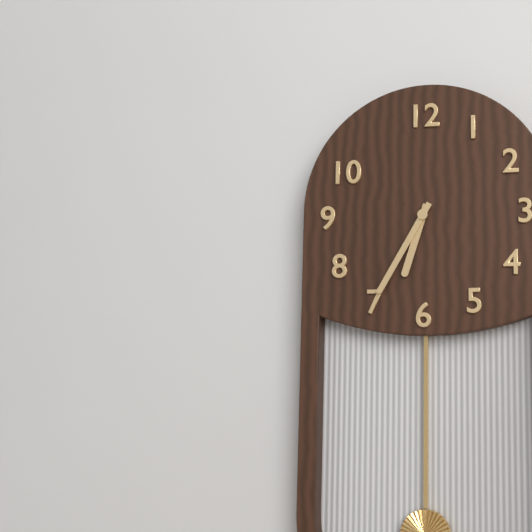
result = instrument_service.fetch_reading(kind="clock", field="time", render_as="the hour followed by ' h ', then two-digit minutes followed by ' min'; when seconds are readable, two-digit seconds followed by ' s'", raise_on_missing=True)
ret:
6 h 35 min
